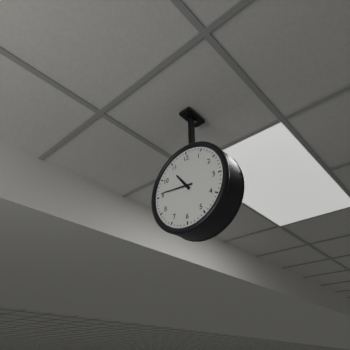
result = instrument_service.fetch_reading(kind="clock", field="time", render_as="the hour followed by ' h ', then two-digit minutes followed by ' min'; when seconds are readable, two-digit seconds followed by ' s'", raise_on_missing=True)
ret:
10 h 46 min
